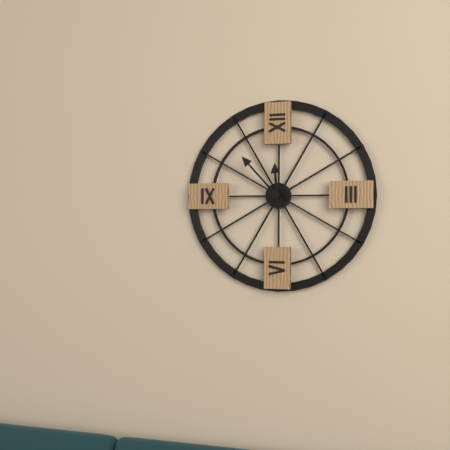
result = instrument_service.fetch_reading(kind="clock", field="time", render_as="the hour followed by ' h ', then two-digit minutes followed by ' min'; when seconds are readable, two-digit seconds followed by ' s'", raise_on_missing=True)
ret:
11 h 53 min
